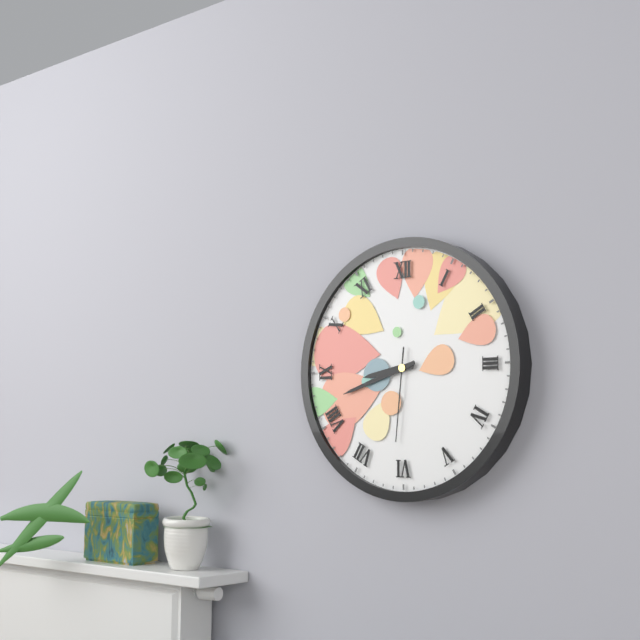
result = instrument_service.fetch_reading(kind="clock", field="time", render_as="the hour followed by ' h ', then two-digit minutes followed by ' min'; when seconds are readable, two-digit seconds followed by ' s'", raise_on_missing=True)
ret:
8 h 42 min 31 s
